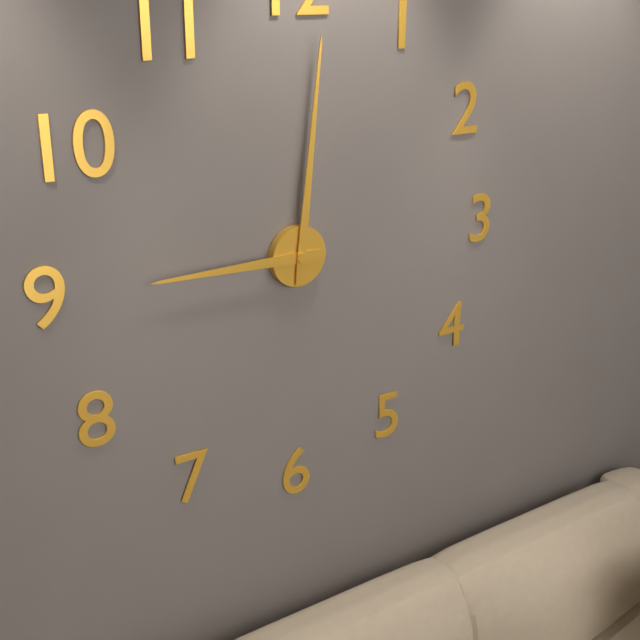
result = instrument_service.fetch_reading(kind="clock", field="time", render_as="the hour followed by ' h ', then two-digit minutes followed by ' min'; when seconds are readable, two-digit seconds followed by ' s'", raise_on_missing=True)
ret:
9 h 01 min
